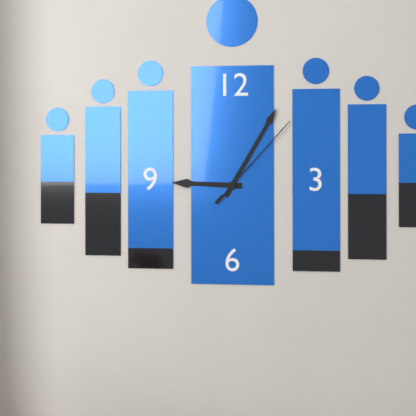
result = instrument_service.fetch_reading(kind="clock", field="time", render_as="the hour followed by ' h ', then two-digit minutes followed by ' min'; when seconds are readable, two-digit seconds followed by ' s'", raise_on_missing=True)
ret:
9 h 05 min 07 s
